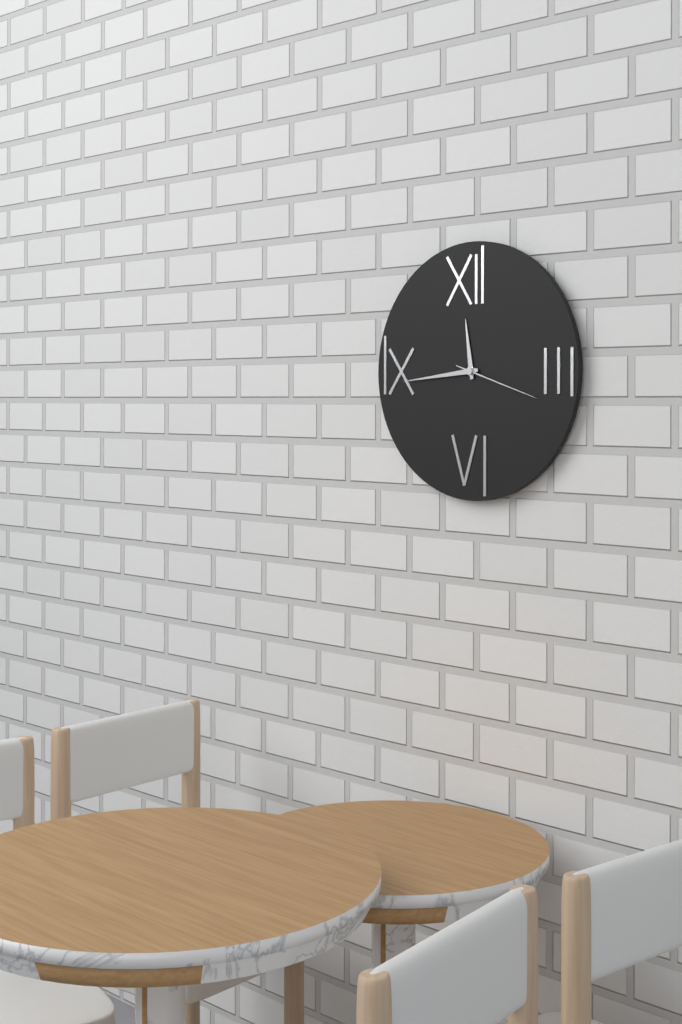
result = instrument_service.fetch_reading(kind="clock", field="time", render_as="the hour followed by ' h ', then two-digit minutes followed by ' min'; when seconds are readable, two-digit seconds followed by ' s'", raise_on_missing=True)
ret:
11 h 44 min 18 s
